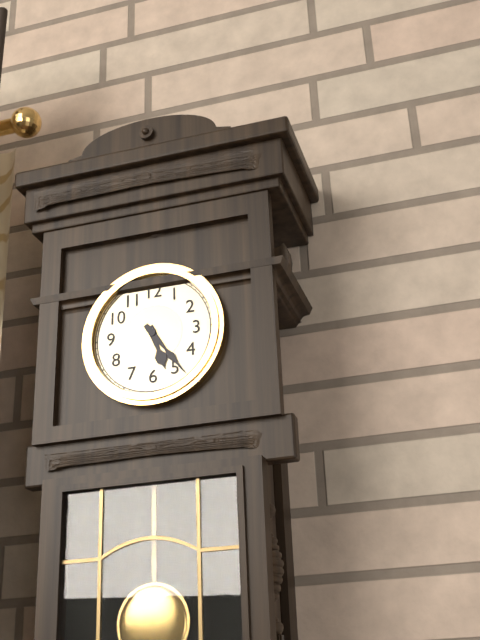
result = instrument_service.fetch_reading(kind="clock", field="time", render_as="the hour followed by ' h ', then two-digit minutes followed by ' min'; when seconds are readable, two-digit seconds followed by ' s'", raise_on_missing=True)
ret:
5 h 24 min
